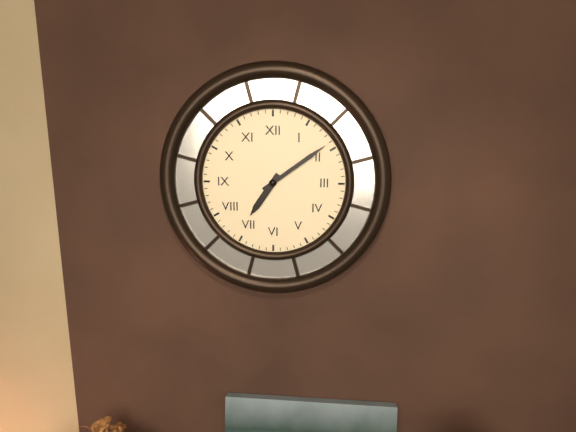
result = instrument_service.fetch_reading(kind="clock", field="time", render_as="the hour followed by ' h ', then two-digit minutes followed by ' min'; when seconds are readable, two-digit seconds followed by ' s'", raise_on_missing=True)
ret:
7 h 09 min
